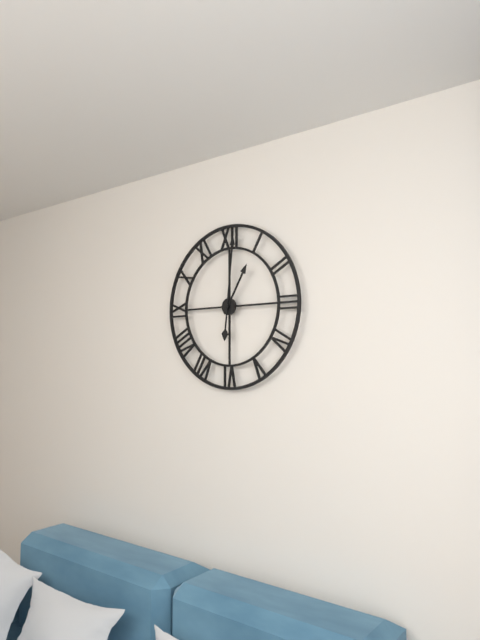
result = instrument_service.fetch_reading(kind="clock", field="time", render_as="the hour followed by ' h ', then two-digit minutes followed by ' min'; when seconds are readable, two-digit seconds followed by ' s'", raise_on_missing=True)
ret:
1 h 01 min
